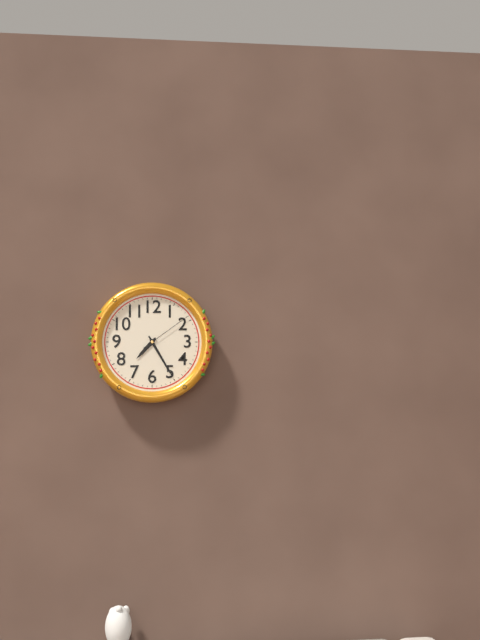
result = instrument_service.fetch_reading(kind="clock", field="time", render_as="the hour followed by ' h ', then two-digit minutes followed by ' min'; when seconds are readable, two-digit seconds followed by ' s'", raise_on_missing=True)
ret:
7 h 25 min 09 s
